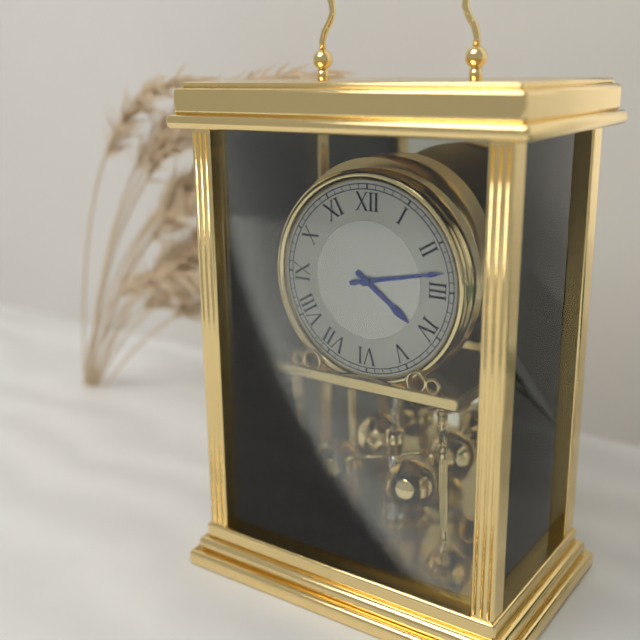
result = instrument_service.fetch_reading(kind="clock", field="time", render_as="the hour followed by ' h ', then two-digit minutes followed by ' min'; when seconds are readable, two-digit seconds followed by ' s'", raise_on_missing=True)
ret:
4 h 13 min
